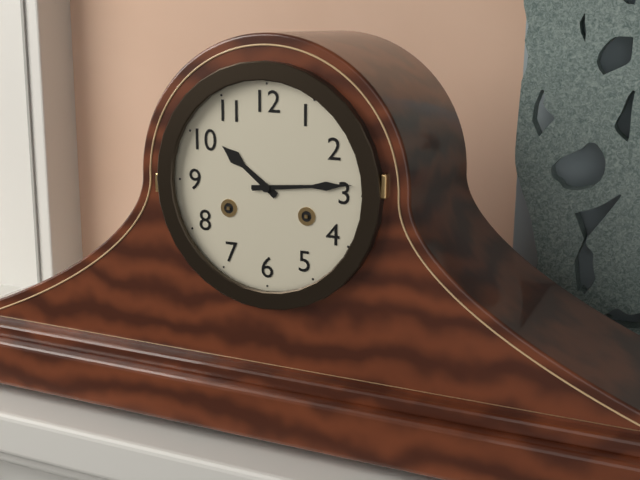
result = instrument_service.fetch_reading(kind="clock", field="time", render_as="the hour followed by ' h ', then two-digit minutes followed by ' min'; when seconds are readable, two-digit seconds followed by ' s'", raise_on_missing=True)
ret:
10 h 14 min
